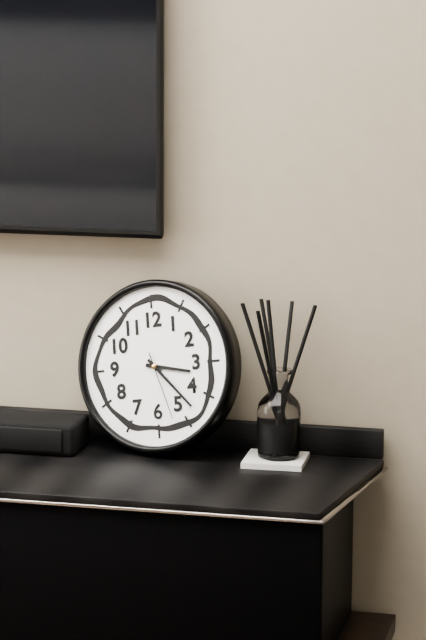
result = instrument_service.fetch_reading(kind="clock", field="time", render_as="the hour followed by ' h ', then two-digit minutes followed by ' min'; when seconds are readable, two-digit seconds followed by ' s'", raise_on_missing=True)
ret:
3 h 23 min 27 s
